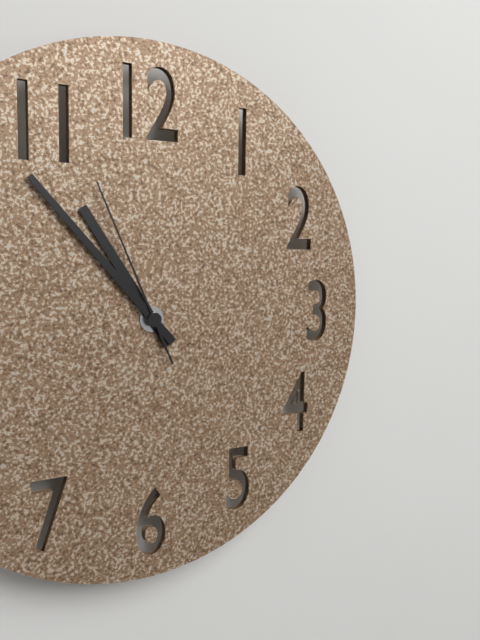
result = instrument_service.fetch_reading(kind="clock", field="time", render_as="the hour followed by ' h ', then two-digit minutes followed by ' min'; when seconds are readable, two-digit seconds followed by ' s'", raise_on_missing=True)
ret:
10 h 53 min 56 s
